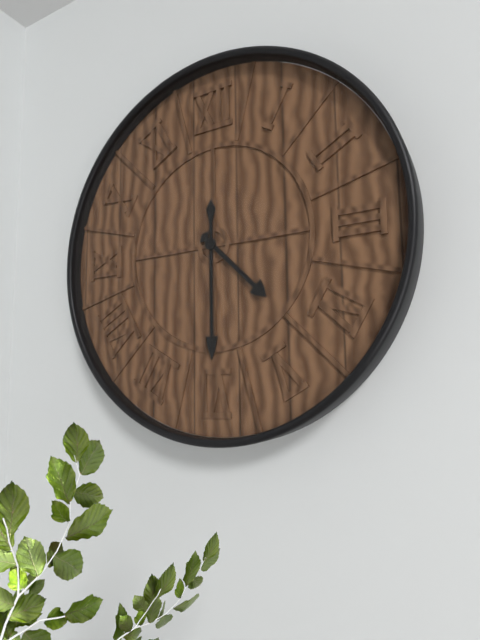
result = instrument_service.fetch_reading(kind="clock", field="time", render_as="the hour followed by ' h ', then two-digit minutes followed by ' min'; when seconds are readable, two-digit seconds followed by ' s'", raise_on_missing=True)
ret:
4 h 30 min
